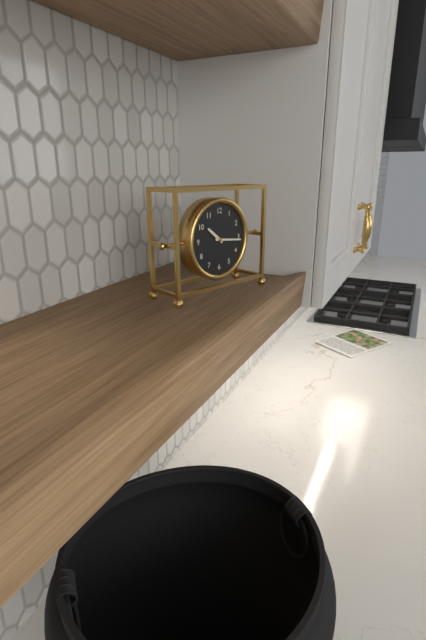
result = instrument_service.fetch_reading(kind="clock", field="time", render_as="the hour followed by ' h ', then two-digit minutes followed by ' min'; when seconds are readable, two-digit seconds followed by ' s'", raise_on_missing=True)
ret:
10 h 16 min
